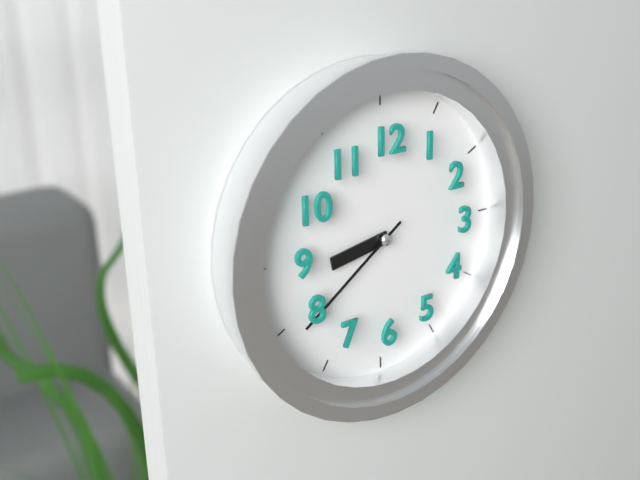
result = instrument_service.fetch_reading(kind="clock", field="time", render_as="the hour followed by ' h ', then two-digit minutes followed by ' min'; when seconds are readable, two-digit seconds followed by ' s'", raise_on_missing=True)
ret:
8 h 39 min
